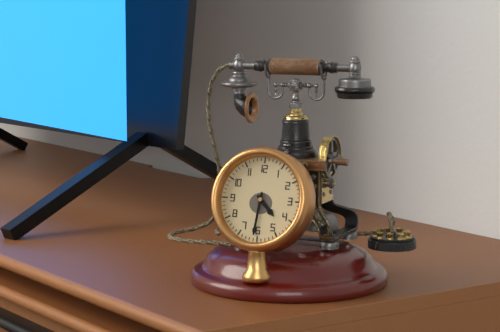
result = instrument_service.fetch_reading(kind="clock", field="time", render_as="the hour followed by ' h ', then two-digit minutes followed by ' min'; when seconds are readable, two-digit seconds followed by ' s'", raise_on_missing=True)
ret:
4 h 31 min
